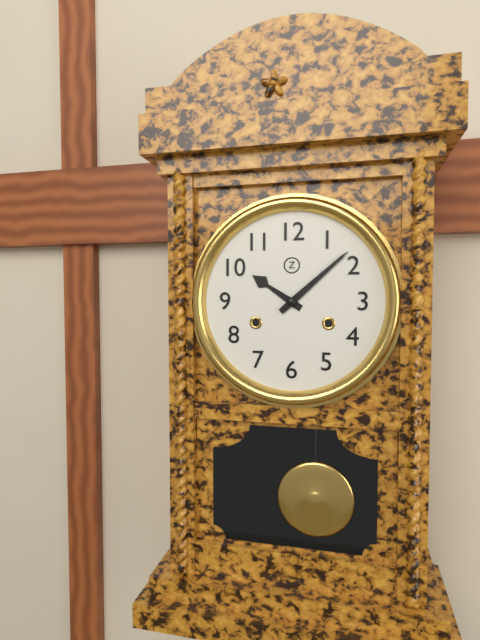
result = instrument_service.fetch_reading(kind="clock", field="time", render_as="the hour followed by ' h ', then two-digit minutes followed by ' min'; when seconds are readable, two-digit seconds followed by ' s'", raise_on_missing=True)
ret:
10 h 08 min
